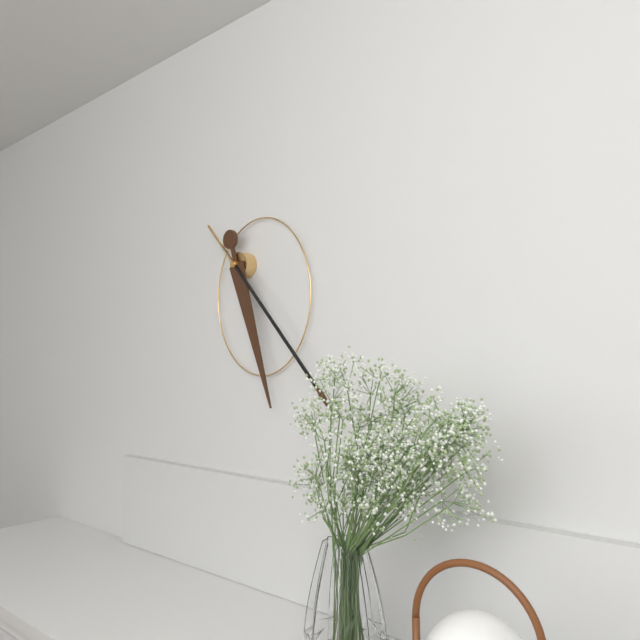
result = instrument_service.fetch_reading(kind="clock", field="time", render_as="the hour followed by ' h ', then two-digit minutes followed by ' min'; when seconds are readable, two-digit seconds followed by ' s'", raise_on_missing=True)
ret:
5 h 23 min
